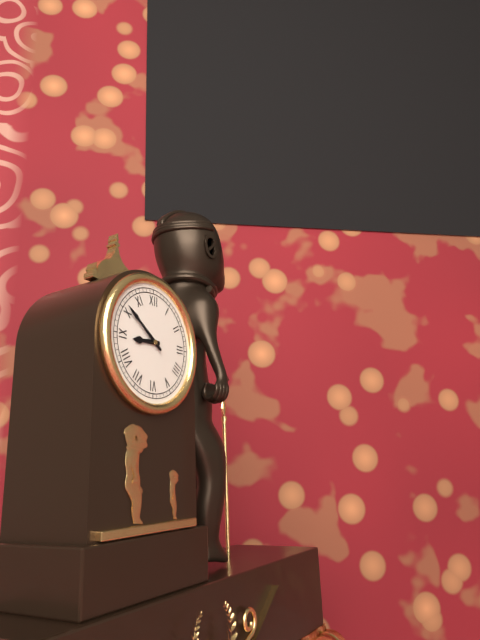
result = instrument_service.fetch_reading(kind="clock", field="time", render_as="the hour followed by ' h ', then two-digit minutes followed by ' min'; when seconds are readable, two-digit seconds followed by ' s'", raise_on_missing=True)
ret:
8 h 51 min
